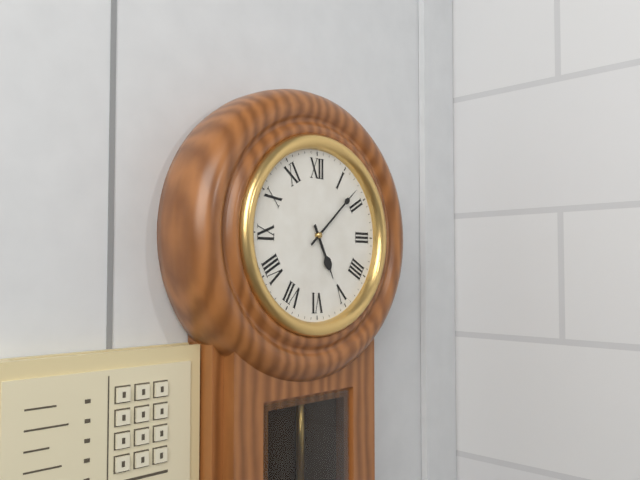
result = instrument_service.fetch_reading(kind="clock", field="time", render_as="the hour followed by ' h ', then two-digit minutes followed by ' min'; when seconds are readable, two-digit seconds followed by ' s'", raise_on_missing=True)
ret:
5 h 08 min
